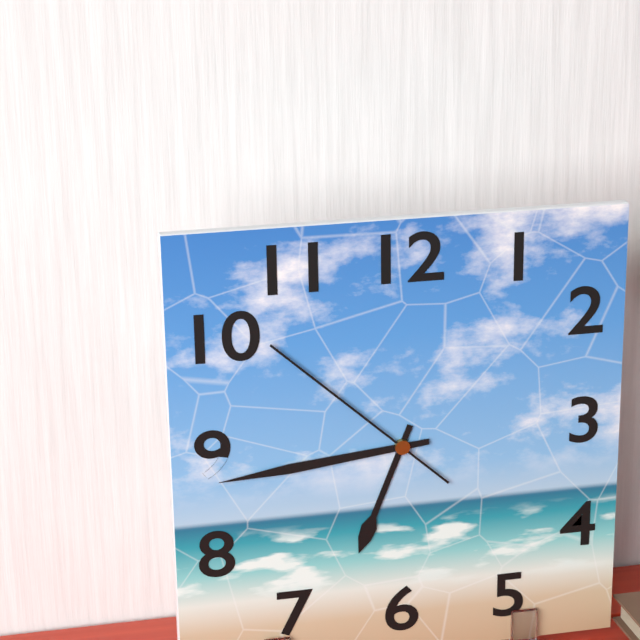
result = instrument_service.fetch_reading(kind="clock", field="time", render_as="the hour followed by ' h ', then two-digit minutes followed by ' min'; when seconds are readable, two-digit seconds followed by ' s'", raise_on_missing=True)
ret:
6 h 44 min 52 s
